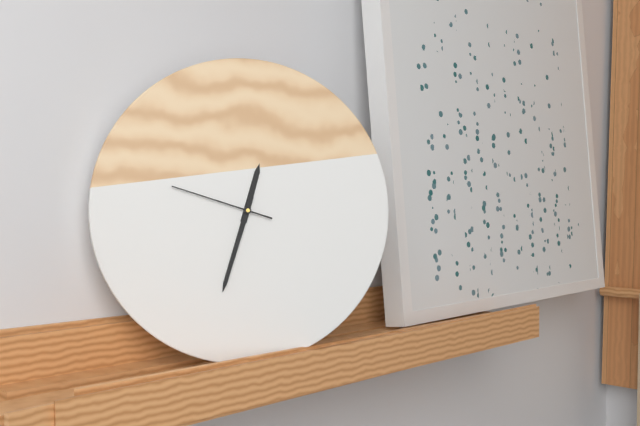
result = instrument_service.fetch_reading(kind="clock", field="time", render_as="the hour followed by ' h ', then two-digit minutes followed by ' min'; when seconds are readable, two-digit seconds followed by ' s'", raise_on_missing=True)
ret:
12 h 33 min 48 s
